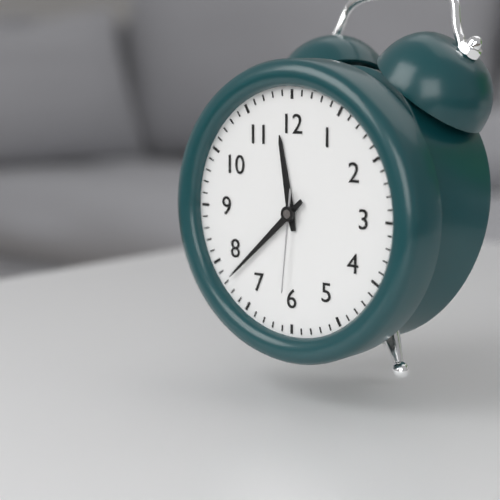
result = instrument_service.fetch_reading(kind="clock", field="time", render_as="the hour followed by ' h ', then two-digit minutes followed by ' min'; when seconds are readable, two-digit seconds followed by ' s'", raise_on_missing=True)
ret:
11 h 38 min 31 s
